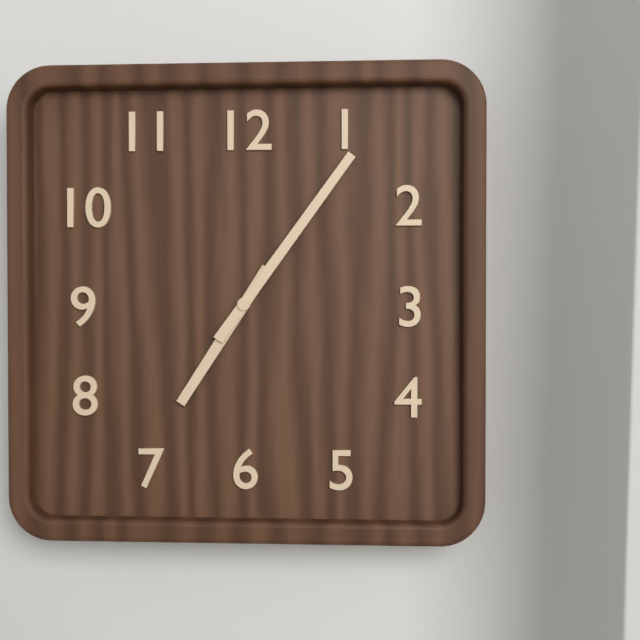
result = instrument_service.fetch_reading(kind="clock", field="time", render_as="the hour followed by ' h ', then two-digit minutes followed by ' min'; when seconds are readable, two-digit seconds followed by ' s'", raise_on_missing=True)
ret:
7 h 06 min
